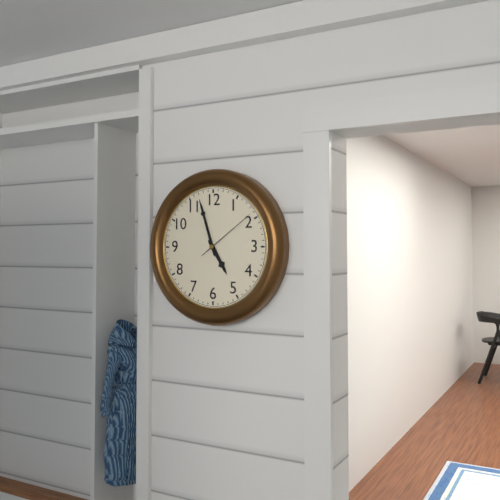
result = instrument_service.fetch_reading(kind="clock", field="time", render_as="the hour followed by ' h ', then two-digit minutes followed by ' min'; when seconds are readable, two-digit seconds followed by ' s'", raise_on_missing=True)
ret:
4 h 57 min 09 s
